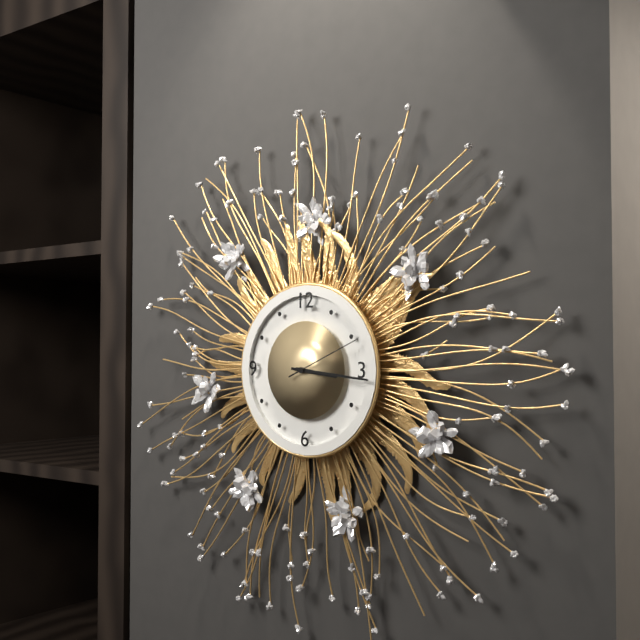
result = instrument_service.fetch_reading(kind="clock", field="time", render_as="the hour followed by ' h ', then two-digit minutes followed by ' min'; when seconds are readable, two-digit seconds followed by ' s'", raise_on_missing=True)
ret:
3 h 16 min 11 s
